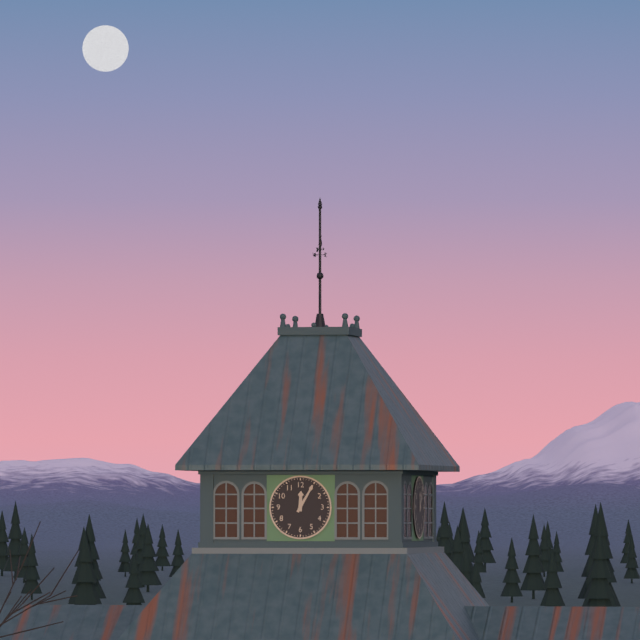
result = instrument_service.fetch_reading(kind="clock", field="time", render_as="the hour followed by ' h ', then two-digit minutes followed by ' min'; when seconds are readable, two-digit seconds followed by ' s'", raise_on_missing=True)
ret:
12 h 05 min
